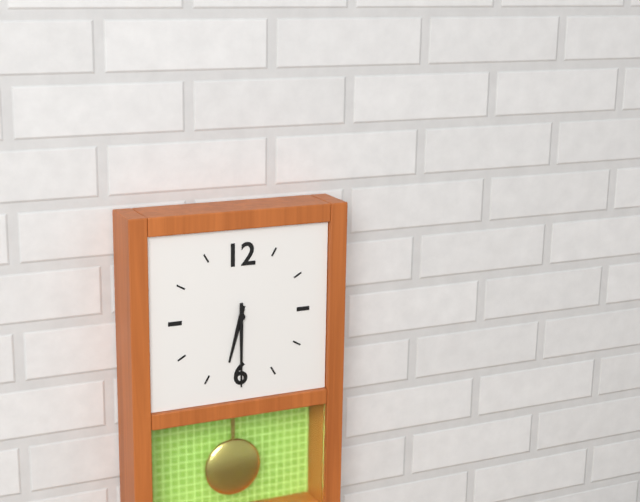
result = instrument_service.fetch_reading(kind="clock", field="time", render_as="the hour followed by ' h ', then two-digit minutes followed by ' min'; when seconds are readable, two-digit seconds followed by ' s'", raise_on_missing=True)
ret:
6 h 30 min
